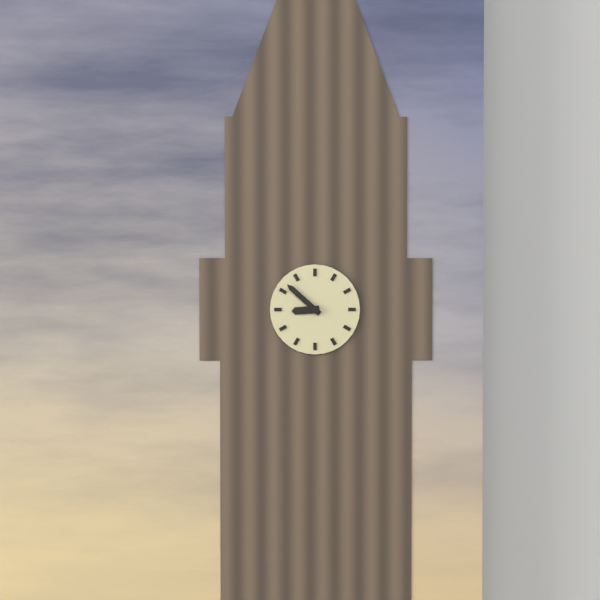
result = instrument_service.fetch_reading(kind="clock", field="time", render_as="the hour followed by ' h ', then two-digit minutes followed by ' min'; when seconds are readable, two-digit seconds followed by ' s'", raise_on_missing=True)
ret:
8 h 52 min
